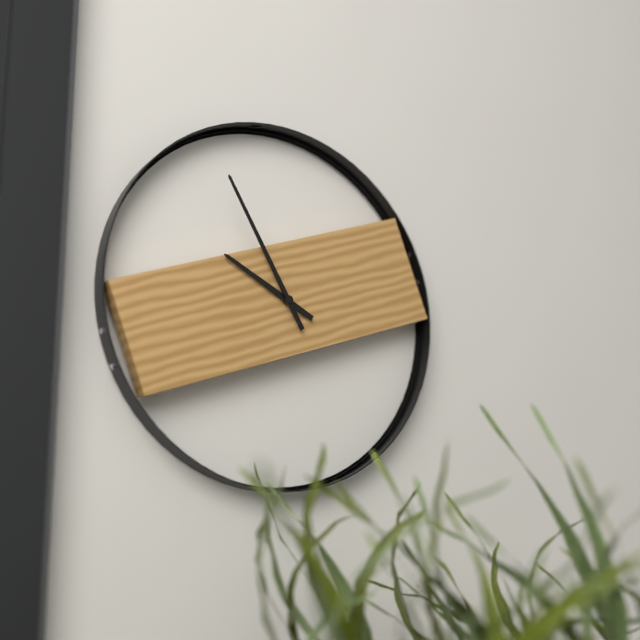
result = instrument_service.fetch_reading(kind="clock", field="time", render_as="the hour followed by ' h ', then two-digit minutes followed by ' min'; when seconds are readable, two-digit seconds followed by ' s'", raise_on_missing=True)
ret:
9 h 55 min
